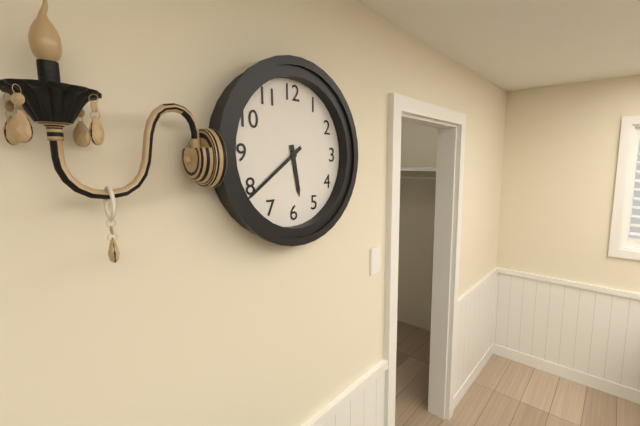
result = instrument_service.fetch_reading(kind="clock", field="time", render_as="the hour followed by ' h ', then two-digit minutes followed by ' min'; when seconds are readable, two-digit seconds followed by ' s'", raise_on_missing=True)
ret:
5 h 39 min
